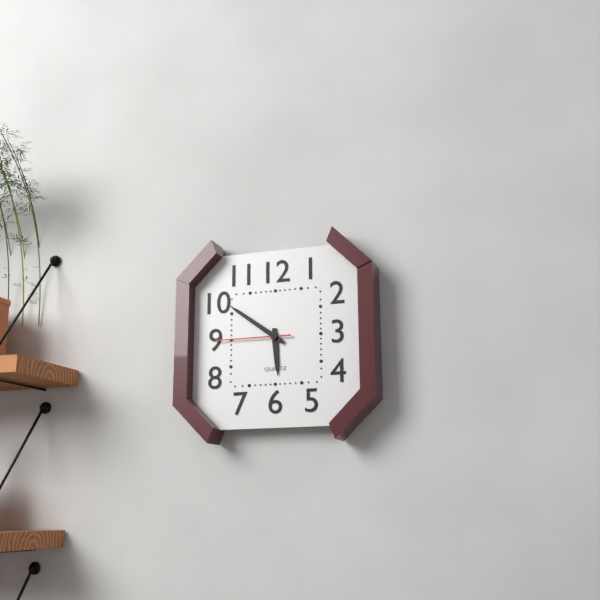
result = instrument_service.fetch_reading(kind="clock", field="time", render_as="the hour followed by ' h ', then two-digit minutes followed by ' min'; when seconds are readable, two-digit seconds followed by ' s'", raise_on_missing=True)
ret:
5 h 51 min 45 s
